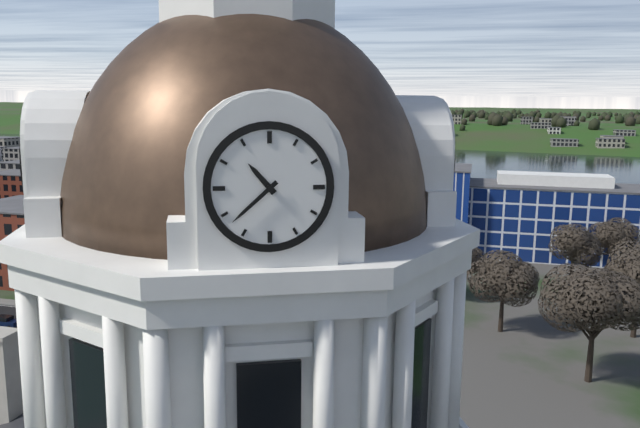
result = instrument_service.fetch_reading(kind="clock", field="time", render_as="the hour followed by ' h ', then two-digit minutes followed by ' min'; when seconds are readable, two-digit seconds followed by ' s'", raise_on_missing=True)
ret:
10 h 38 min
